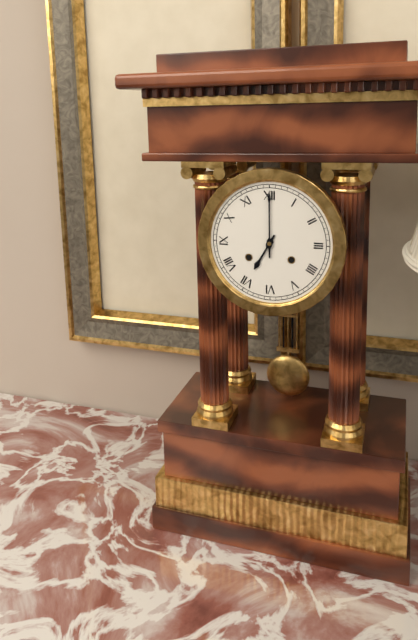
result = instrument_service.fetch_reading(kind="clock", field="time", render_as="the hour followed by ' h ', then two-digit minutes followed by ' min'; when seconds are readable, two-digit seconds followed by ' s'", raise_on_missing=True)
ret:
7 h 00 min
